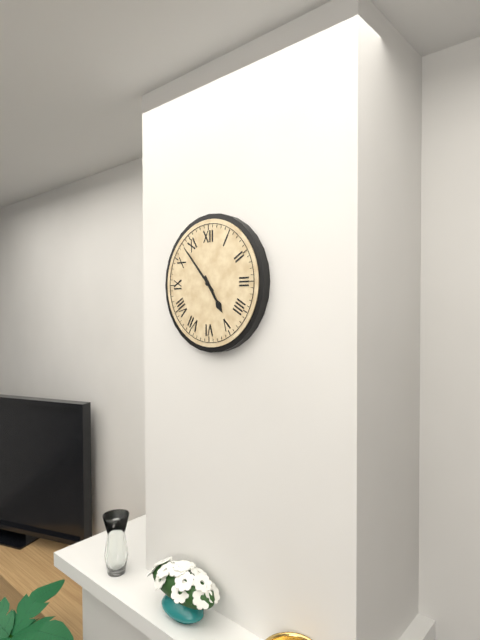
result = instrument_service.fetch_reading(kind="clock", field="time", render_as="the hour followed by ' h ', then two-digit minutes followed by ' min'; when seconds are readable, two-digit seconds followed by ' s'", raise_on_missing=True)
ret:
4 h 53 min
